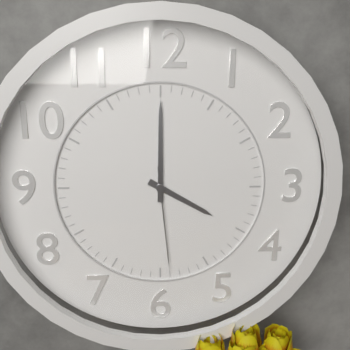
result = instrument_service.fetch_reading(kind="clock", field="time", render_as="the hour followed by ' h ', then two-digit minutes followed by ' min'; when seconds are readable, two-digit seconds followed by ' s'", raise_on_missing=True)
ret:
4 h 00 min 29 s
